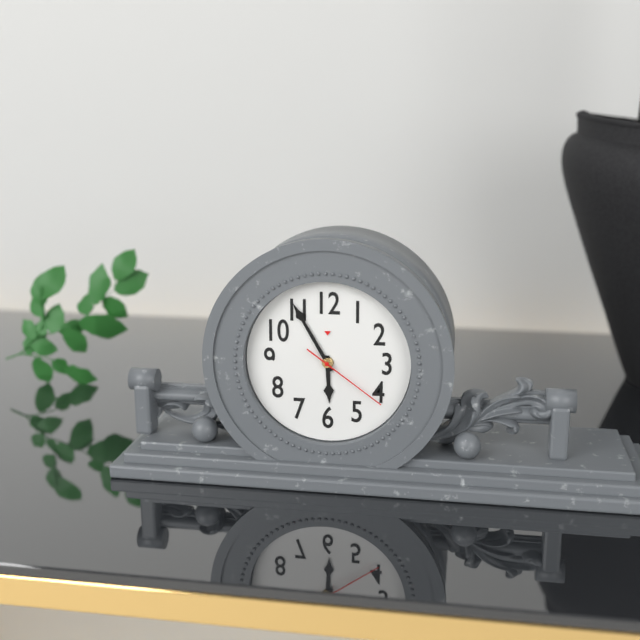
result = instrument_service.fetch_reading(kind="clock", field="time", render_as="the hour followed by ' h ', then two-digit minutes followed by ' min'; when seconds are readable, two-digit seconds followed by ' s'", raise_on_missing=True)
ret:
5 h 55 min 21 s
